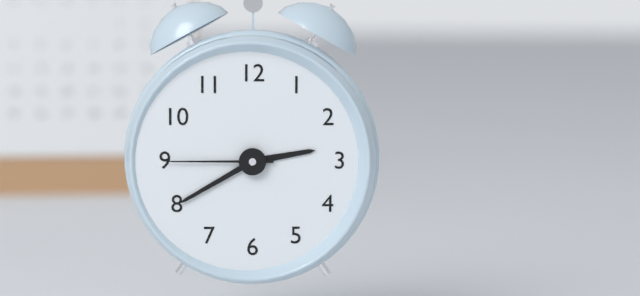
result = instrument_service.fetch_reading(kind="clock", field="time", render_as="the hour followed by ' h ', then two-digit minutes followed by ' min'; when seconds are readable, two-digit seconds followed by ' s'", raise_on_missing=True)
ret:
2 h 40 min 45 s
